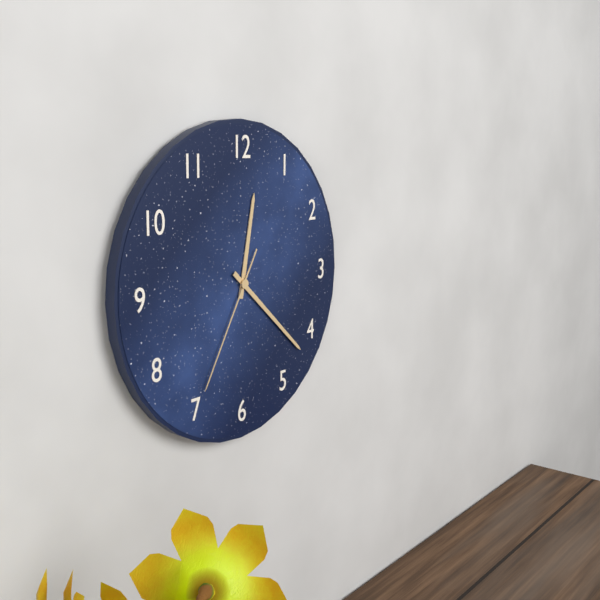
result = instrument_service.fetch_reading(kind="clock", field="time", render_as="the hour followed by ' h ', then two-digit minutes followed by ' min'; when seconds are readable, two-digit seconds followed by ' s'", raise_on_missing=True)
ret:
12 h 22 min 35 s
